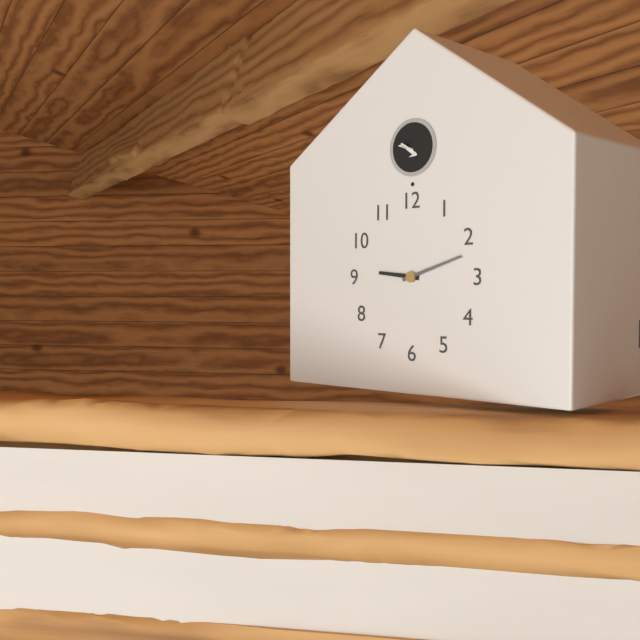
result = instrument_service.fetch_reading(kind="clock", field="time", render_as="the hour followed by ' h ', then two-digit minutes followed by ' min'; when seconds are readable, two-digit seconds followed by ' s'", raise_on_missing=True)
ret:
9 h 12 min
